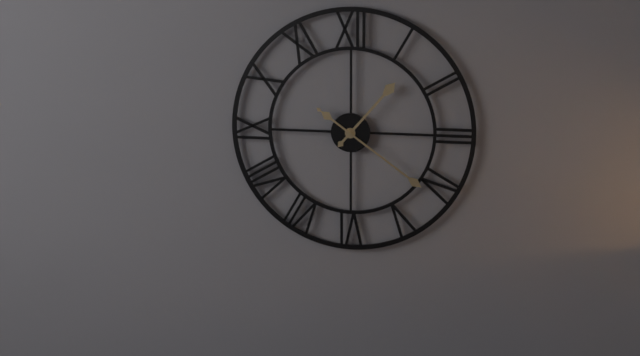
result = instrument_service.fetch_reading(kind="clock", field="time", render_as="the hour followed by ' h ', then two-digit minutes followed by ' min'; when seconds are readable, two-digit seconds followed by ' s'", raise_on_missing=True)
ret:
1 h 21 min
